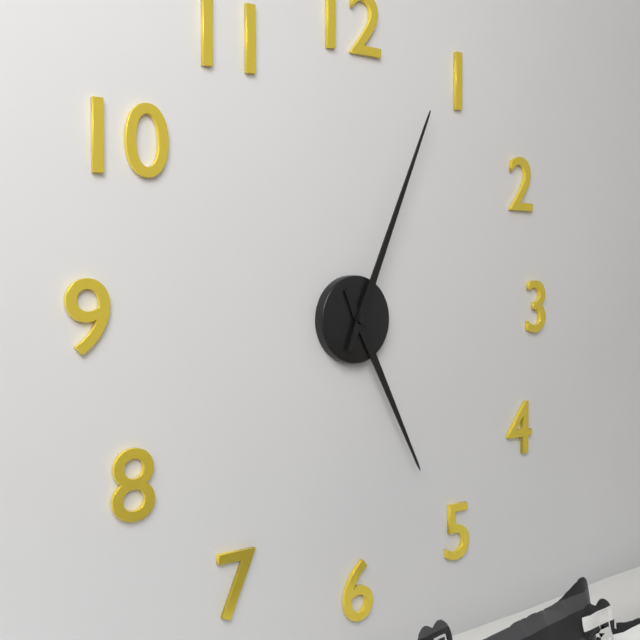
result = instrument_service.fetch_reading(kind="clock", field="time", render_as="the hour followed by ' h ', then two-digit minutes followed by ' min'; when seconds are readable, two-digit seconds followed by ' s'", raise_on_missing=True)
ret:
5 h 04 min
